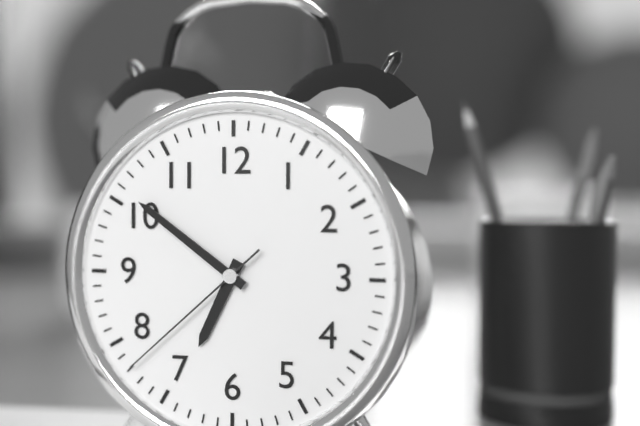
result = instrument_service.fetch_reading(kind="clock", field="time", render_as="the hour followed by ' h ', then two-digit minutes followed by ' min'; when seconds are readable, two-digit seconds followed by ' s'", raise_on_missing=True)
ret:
6 h 51 min 38 s
